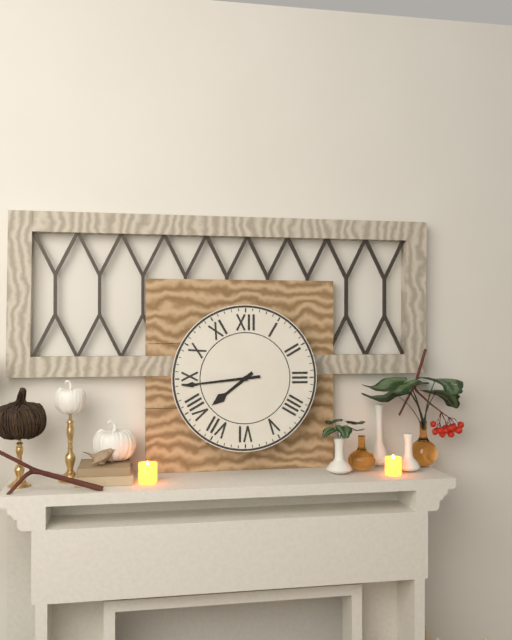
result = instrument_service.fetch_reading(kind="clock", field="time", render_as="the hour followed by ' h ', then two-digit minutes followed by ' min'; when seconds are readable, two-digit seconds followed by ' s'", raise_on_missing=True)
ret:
7 h 44 min
